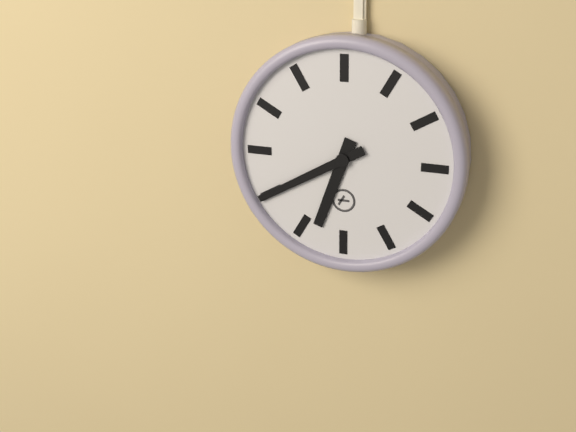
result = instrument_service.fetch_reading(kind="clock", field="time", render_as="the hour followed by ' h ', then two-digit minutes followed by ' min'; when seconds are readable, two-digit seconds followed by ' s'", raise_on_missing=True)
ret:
6 h 40 min
